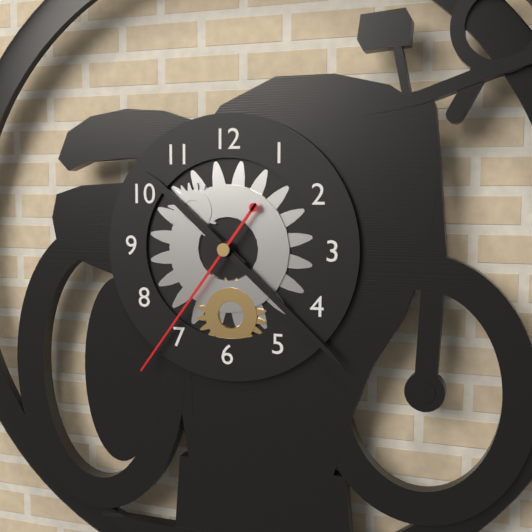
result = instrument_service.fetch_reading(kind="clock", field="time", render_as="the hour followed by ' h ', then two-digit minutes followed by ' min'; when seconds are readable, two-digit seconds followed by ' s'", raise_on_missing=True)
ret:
10 h 22 min 36 s
